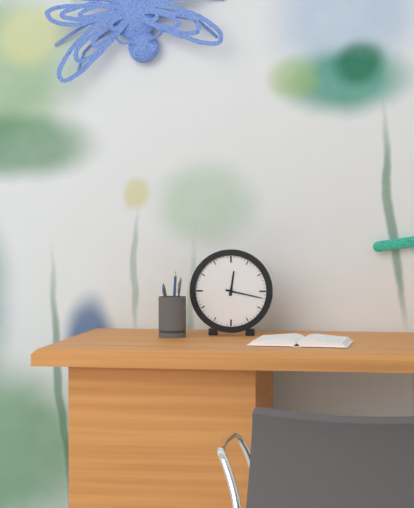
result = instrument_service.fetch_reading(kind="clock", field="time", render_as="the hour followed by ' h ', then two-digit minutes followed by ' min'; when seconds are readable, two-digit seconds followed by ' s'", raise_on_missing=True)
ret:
12 h 17 min
